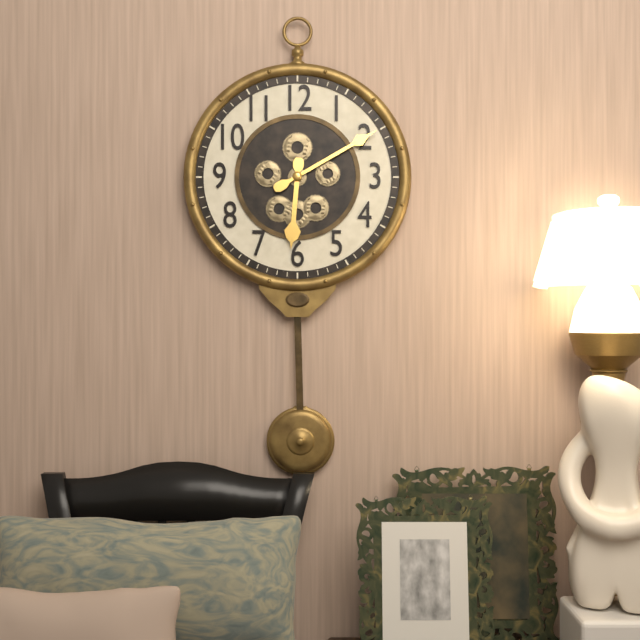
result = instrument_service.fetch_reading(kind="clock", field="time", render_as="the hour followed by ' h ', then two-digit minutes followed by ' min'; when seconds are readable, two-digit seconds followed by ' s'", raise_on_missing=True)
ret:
6 h 10 min
